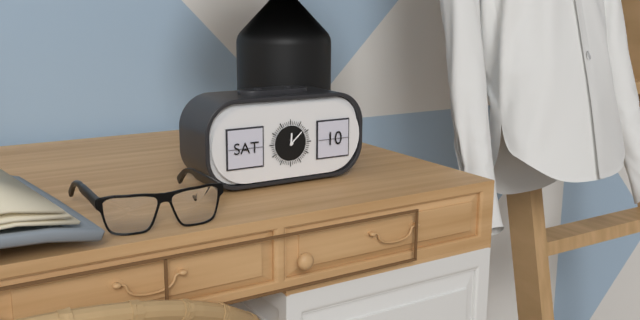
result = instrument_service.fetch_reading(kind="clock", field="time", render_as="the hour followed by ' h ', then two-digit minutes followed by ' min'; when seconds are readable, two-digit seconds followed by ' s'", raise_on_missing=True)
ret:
12 h 08 min
